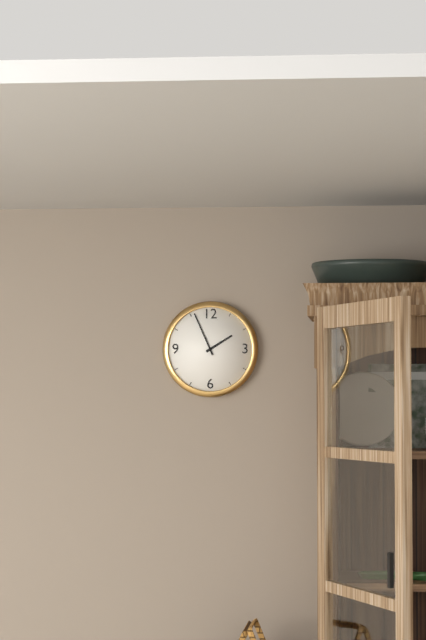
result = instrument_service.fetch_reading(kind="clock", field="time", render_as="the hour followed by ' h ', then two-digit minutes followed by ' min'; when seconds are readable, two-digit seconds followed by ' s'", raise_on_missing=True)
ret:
1 h 56 min
